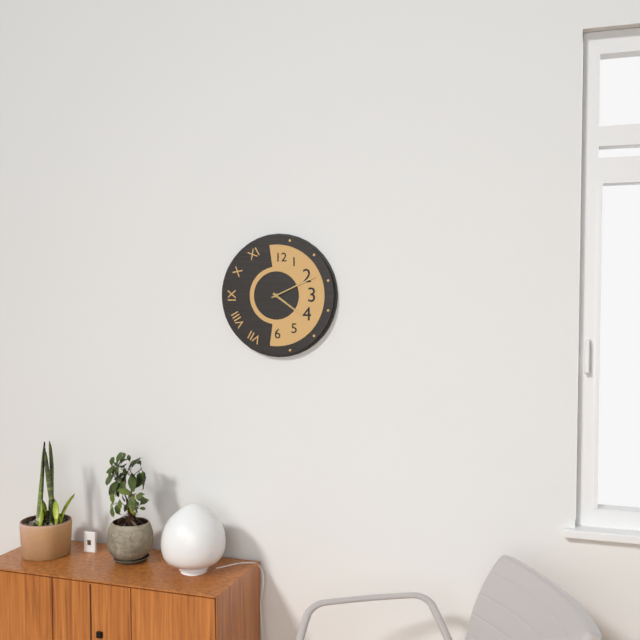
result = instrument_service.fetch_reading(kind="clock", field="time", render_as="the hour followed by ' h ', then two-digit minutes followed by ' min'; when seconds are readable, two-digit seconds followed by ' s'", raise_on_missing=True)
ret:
4 h 11 min
